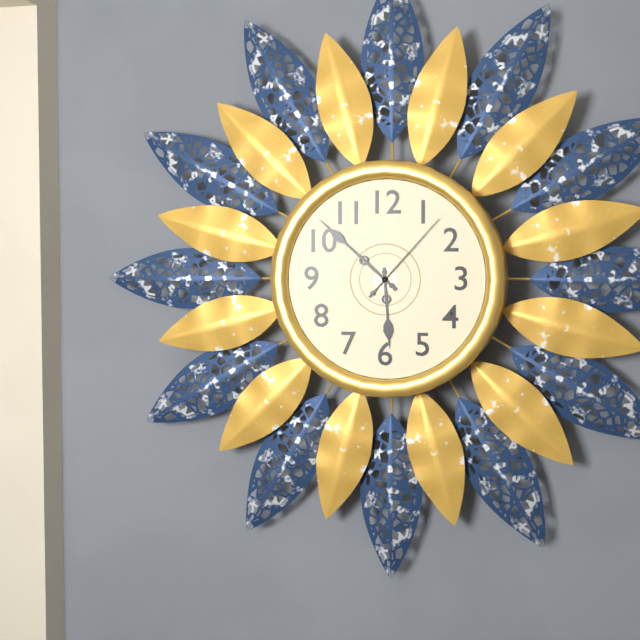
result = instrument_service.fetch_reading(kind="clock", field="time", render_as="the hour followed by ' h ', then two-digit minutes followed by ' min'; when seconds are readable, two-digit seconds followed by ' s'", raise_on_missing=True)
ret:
5 h 52 min 07 s
